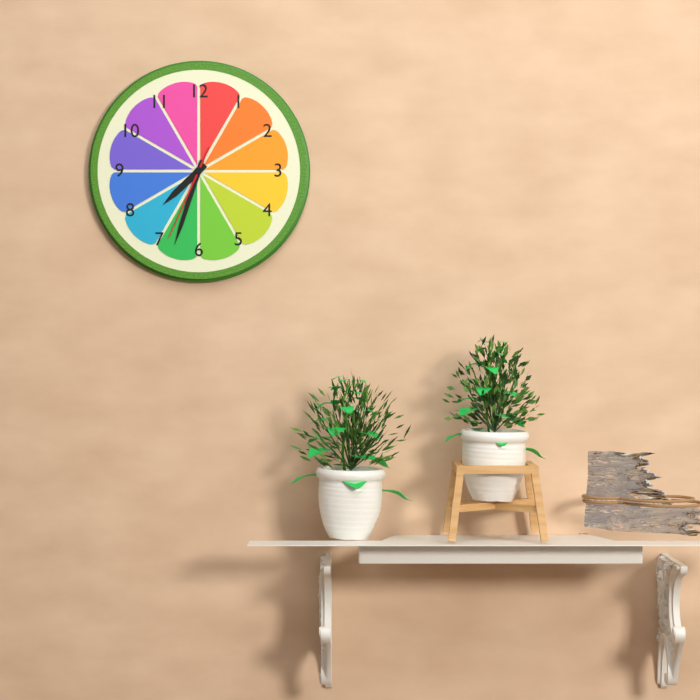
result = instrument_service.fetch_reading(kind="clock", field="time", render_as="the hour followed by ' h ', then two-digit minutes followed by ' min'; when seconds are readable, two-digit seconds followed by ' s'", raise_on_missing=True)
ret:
7 h 33 min 34 s
